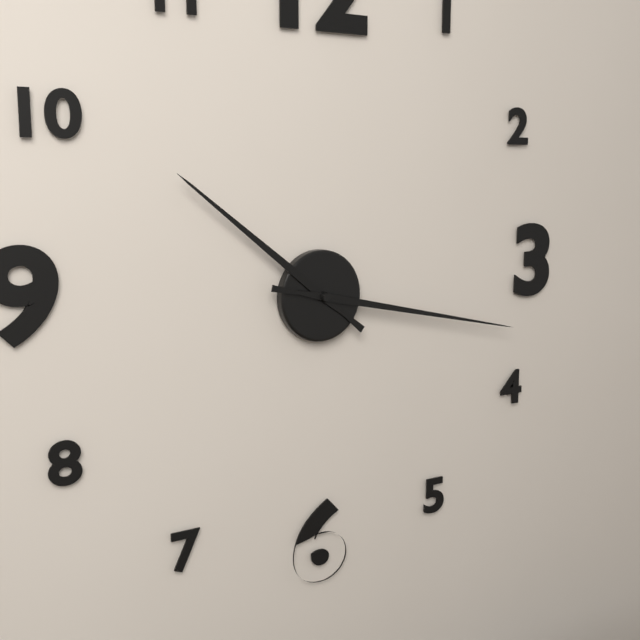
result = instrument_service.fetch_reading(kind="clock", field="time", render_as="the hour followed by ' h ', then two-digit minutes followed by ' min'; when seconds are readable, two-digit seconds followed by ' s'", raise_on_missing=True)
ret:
10 h 17 min
